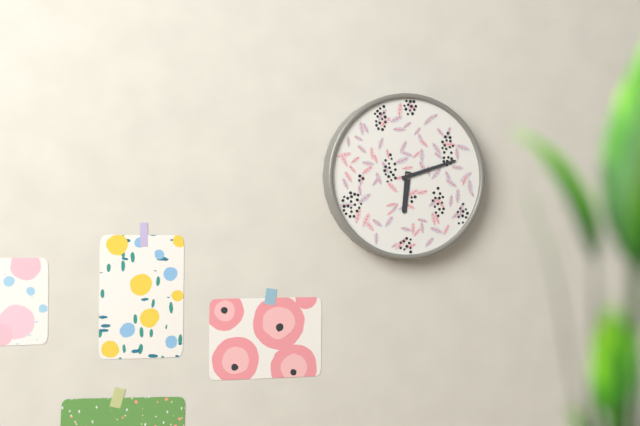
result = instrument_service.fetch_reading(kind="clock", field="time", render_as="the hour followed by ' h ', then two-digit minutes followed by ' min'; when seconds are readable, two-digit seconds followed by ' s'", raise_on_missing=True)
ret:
6 h 12 min
